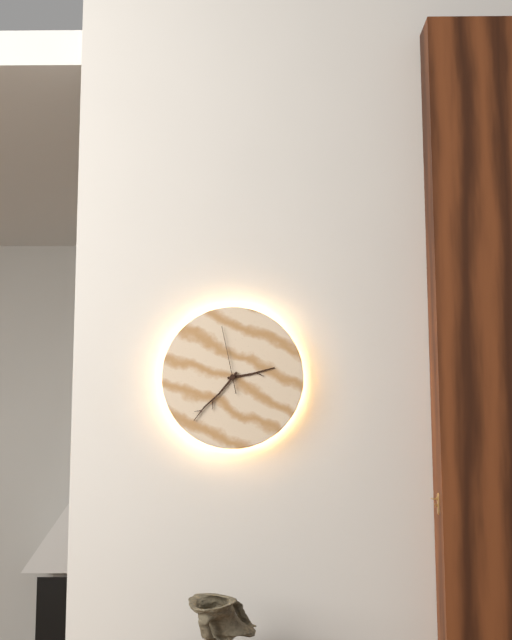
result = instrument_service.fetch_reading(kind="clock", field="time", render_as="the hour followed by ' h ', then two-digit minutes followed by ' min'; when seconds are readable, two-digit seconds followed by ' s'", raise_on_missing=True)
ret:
2 h 37 min 58 s
